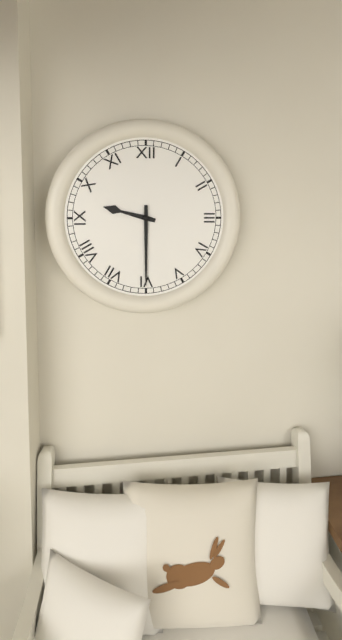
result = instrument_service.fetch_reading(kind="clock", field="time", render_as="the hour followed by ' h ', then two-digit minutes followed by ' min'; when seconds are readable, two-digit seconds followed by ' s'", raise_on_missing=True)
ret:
9 h 30 min
